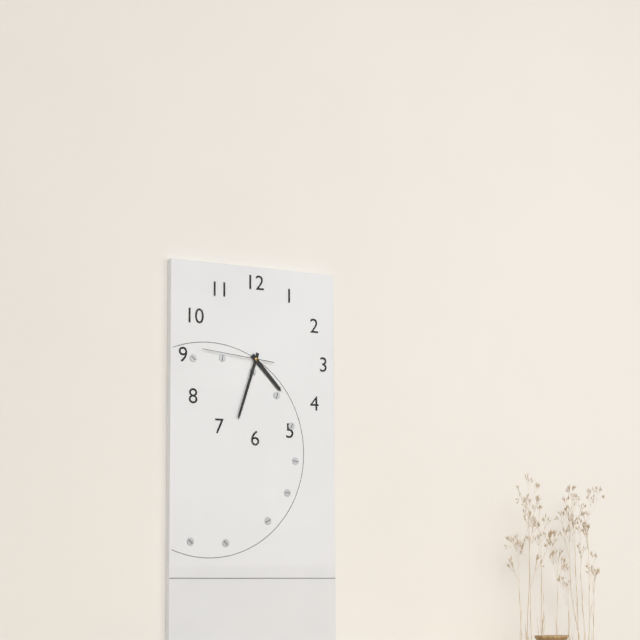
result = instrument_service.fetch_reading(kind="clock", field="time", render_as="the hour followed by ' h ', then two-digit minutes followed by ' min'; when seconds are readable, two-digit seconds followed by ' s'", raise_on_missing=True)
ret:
4 h 33 min 46 s
